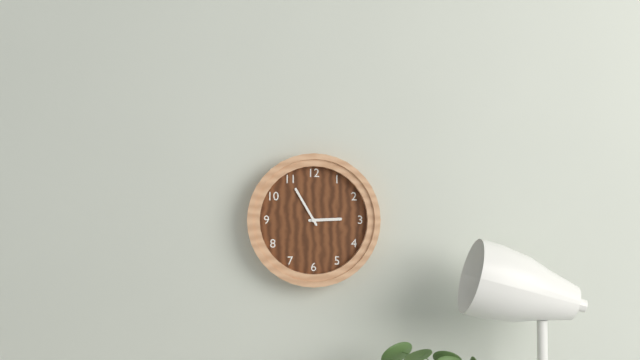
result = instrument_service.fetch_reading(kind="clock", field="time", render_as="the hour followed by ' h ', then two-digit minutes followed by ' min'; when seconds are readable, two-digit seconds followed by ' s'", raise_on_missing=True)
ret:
2 h 55 min
